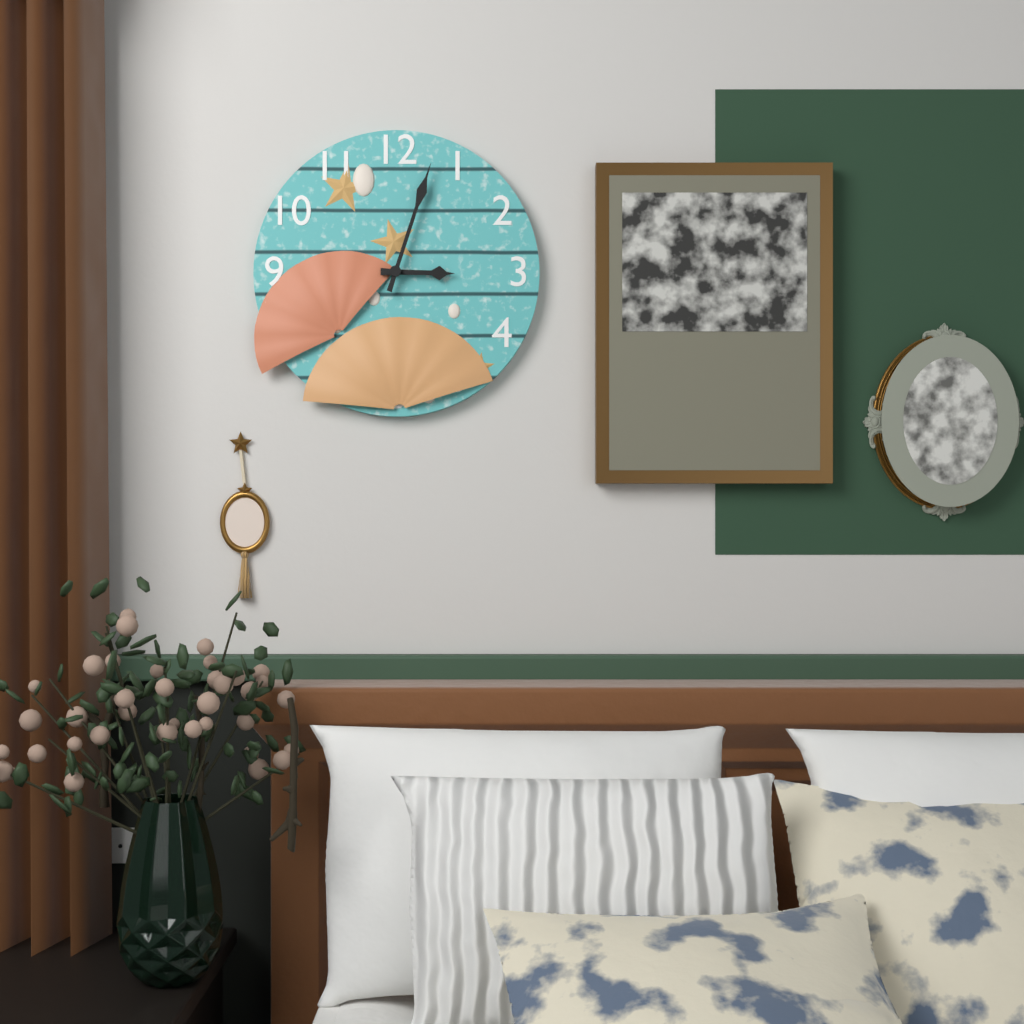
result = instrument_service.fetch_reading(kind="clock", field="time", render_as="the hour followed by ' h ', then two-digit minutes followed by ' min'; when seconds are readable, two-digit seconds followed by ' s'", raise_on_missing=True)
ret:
3 h 03 min
